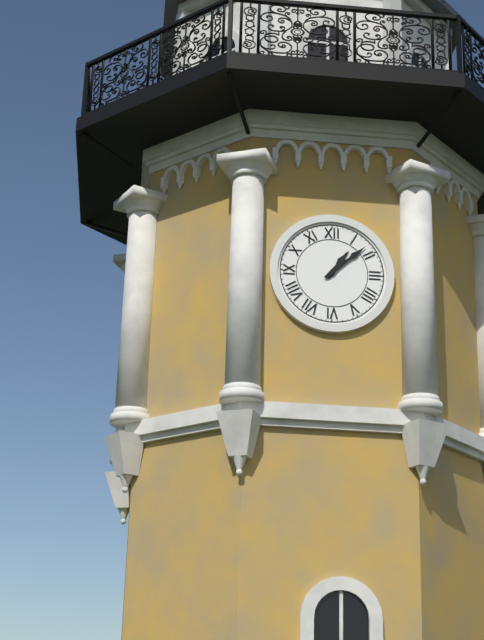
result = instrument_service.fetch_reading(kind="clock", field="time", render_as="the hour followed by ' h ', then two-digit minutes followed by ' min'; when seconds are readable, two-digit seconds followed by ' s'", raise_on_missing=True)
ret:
1 h 08 min
